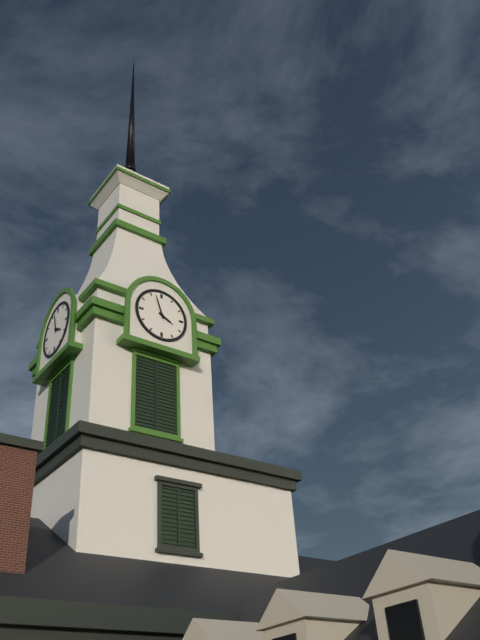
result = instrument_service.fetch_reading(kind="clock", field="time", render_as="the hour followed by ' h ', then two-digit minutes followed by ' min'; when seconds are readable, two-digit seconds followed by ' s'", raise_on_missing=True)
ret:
3 h 57 min
